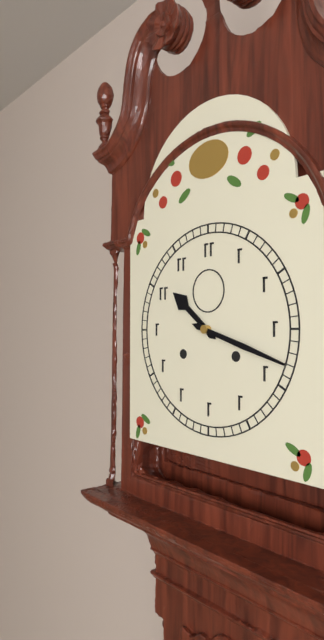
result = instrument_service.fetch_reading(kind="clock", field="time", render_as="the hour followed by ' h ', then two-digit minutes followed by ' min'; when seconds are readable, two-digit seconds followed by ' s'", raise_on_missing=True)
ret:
10 h 18 min
